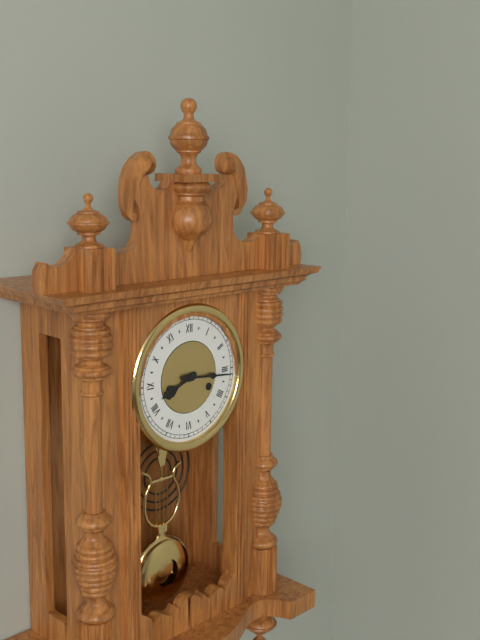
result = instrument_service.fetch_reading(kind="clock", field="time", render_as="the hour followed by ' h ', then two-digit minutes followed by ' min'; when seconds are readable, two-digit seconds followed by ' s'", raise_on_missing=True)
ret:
8 h 16 min
